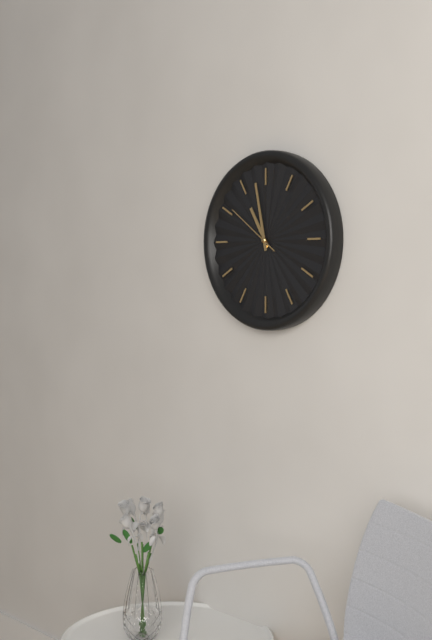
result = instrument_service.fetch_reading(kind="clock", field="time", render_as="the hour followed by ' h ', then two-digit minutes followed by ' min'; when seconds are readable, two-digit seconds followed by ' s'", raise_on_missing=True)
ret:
10 h 58 min 51 s
